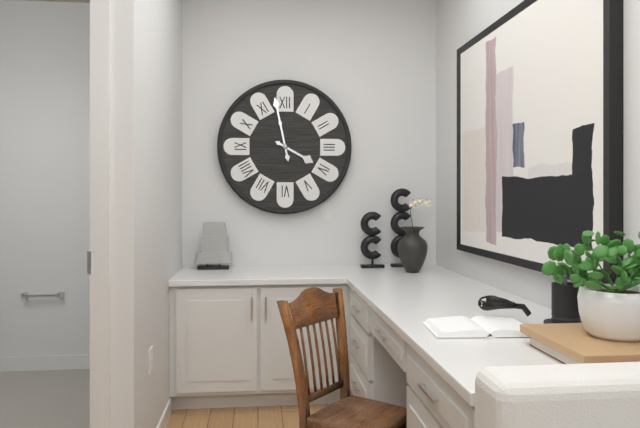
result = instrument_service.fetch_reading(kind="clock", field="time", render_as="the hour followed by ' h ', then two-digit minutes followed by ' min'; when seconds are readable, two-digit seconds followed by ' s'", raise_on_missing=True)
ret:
3 h 58 min
